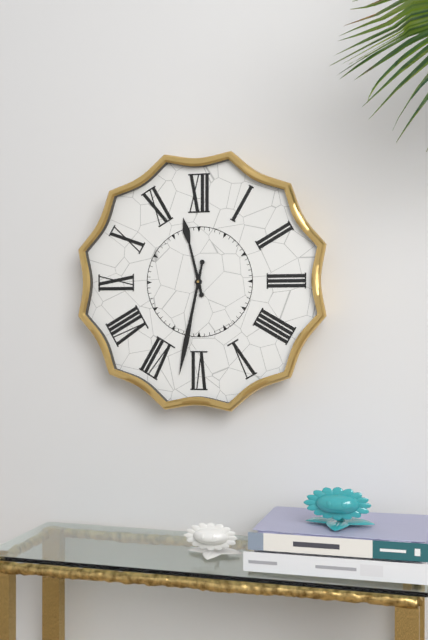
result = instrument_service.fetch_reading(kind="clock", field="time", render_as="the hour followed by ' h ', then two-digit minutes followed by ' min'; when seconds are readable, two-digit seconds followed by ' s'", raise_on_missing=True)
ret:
11 h 32 min
